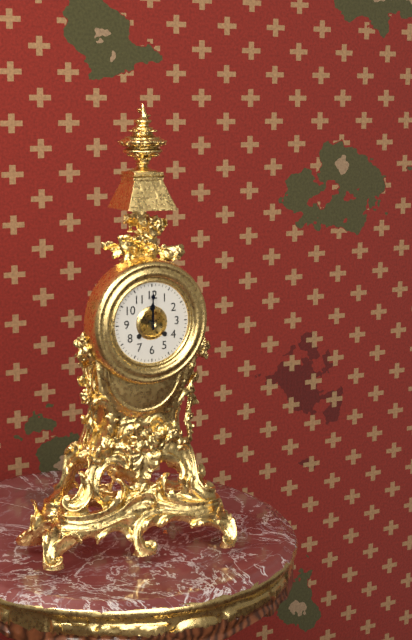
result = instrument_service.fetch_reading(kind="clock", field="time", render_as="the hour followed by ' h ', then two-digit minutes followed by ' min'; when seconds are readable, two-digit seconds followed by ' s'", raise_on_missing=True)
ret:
12 h 00 min
